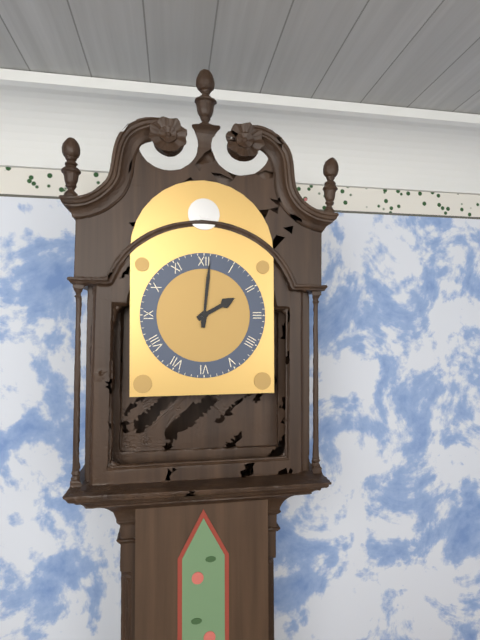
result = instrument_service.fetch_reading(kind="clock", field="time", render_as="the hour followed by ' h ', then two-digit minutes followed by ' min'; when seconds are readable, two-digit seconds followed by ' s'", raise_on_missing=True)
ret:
2 h 01 min
